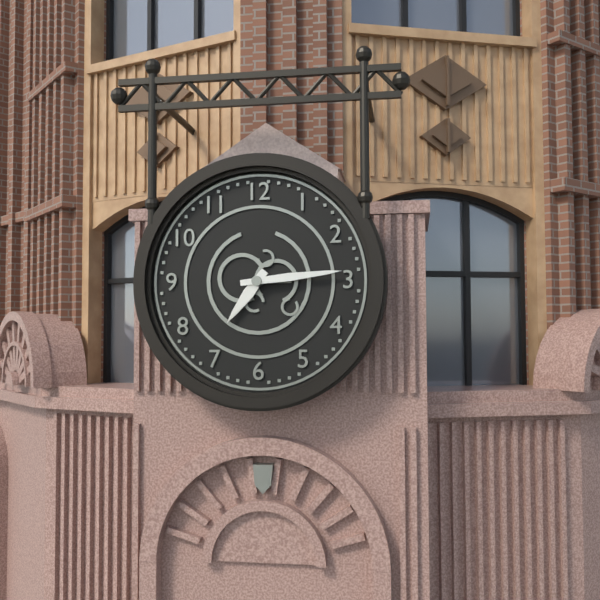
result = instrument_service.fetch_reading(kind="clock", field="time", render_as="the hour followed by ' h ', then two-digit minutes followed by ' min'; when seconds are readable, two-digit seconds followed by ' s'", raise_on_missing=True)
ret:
7 h 14 min
